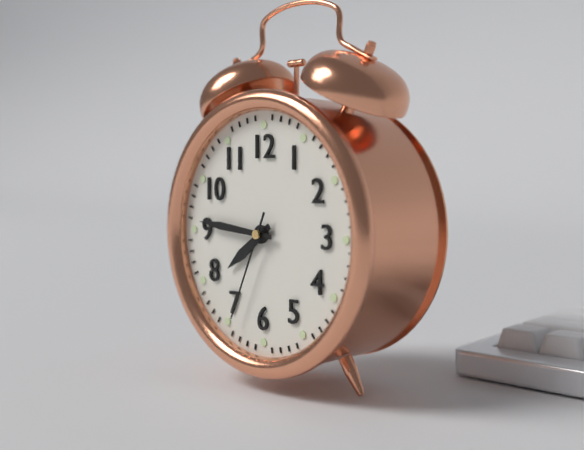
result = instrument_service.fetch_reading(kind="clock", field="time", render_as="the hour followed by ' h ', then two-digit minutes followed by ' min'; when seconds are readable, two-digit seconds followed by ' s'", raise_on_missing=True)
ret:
7 h 46 min 34 s
